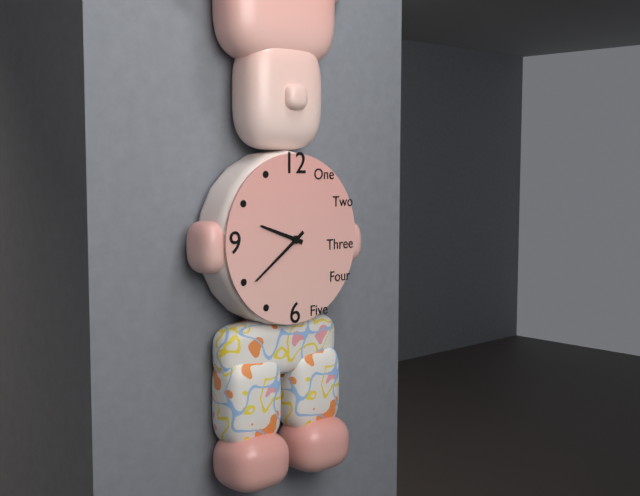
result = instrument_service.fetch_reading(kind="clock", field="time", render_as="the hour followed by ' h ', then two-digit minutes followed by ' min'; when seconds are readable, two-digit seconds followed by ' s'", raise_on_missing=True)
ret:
9 h 39 min
